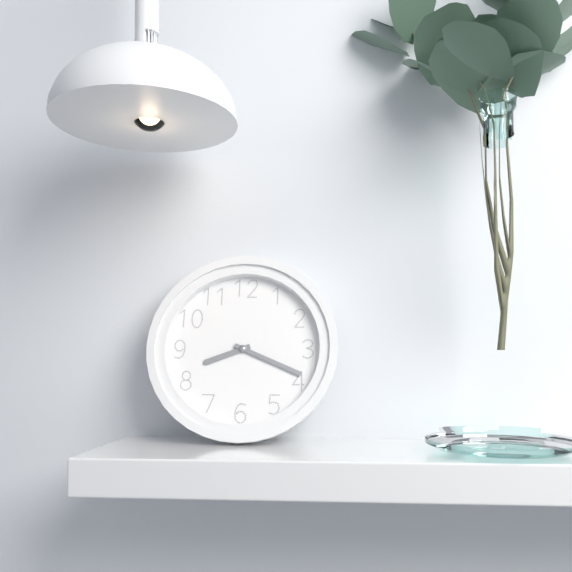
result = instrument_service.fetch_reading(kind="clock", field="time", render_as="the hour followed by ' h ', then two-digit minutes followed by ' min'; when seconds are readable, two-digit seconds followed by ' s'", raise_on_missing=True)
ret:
8 h 19 min
